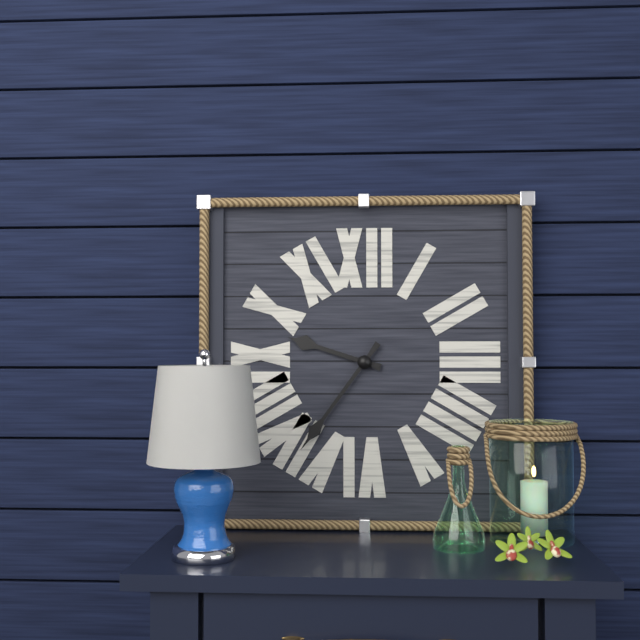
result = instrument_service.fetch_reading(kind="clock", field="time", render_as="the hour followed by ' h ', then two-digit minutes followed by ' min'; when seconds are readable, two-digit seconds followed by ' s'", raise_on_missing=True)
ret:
9 h 36 min
